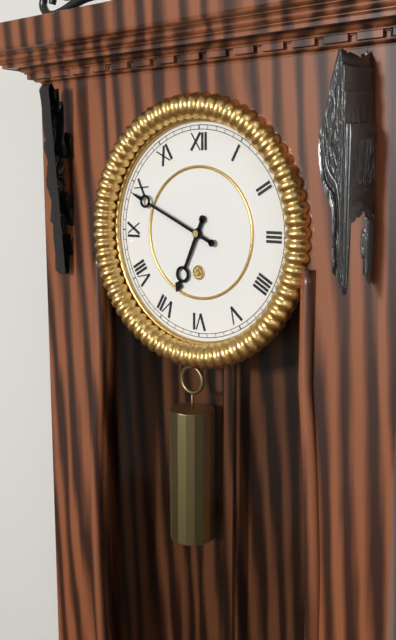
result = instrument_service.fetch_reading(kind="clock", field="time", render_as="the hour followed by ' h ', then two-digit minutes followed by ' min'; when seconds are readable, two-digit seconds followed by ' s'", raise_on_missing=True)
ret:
6 h 49 min
